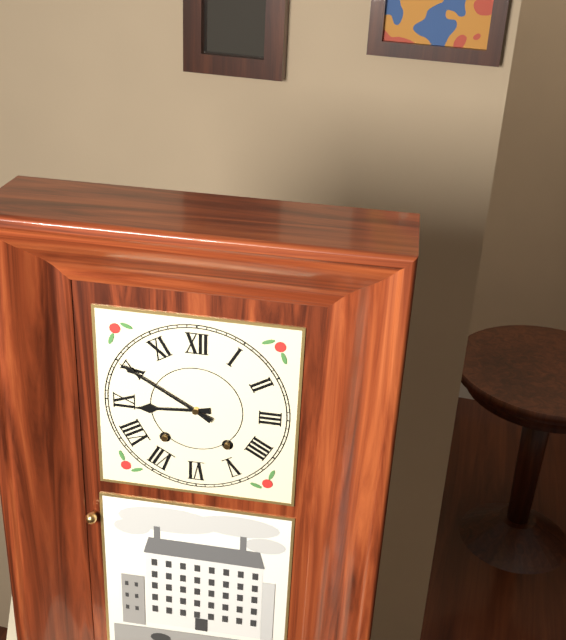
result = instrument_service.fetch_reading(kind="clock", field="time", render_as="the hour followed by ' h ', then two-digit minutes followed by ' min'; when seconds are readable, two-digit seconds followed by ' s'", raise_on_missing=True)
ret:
8 h 50 min
